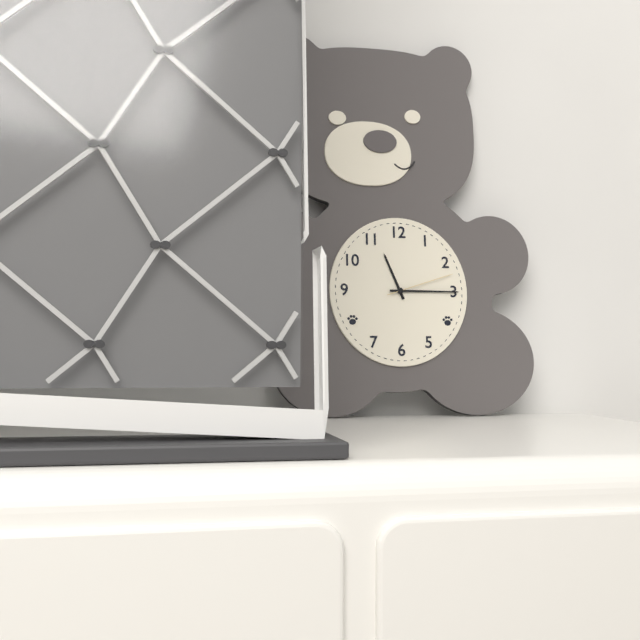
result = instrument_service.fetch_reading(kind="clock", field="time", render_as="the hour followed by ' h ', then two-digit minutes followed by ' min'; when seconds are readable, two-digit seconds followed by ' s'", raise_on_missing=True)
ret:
11 h 15 min 12 s
